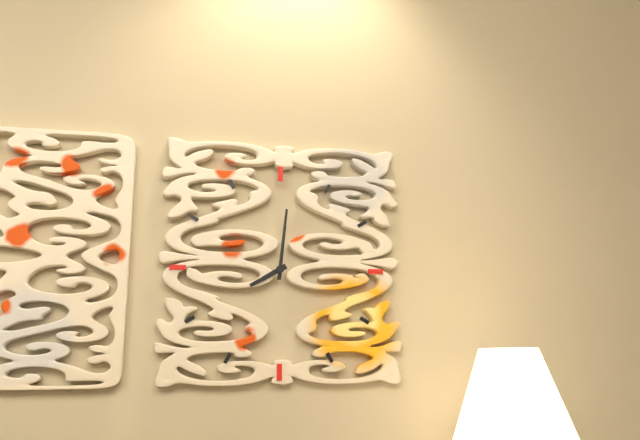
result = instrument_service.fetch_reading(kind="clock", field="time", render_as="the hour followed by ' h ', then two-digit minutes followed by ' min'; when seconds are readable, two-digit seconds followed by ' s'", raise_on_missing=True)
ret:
8 h 01 min
